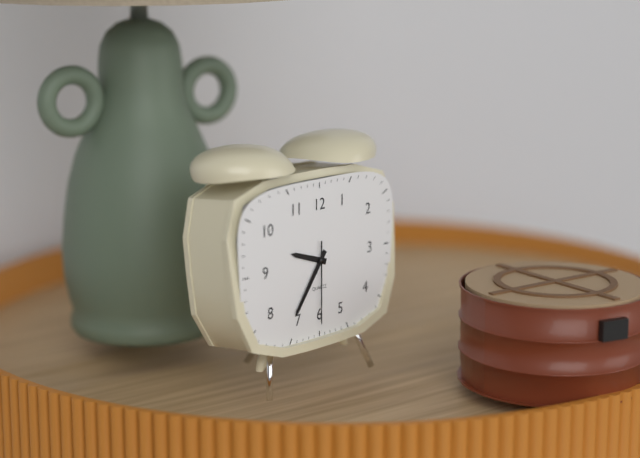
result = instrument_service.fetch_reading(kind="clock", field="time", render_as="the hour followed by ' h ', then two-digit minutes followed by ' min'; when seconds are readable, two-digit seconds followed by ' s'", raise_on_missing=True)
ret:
9 h 36 min 30 s
